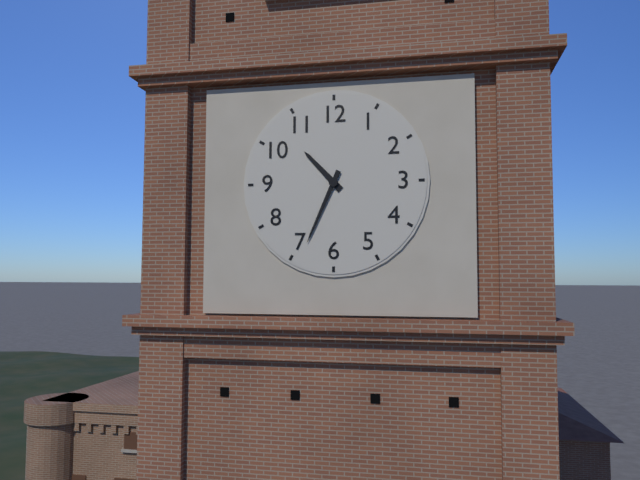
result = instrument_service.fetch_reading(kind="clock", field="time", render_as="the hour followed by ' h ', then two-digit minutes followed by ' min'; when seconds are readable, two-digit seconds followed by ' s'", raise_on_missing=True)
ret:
10 h 34 min
